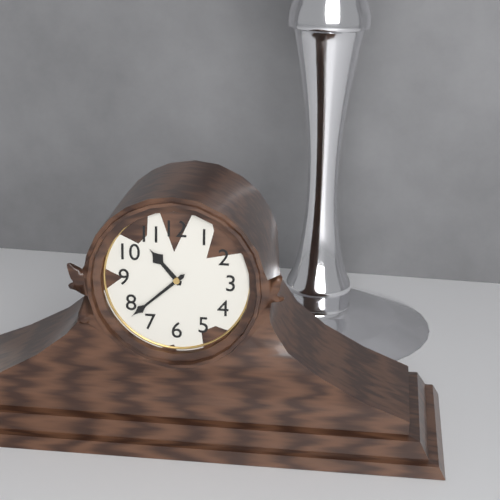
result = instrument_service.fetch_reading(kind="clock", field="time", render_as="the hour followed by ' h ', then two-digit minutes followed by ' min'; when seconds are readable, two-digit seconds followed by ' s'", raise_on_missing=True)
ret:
10 h 38 min
